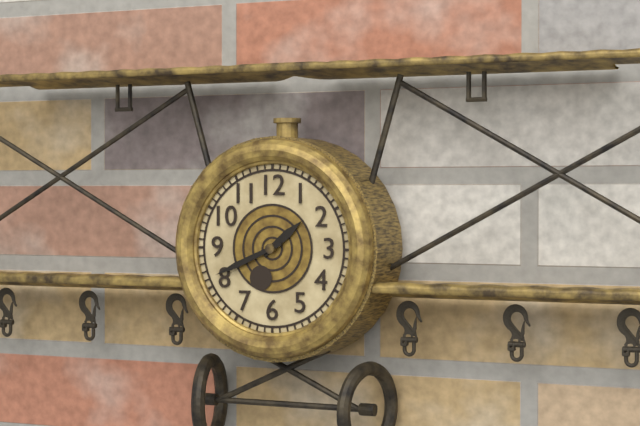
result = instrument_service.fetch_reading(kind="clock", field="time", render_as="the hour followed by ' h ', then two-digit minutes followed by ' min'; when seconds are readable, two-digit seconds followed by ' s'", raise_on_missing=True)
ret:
1 h 41 min
